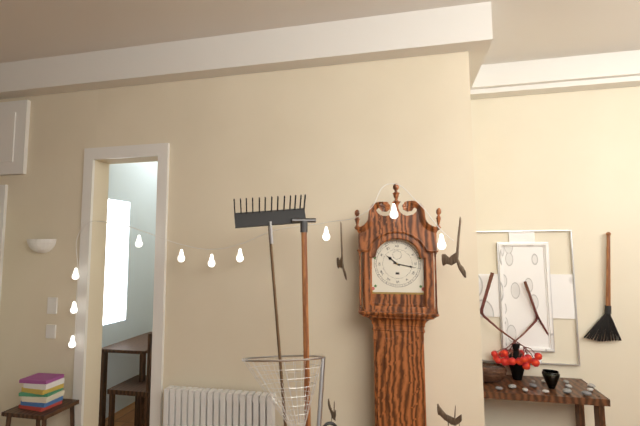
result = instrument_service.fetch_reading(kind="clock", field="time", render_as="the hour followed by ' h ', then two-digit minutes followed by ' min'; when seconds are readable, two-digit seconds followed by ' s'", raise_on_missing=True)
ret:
10 h 17 min
